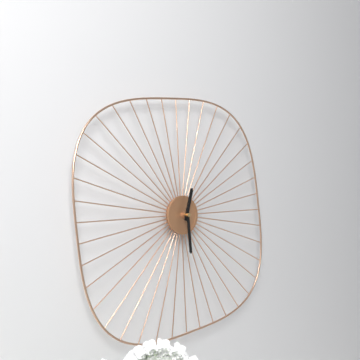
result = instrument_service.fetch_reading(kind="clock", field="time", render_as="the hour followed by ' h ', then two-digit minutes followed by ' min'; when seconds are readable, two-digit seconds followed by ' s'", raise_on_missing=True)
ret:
12 h 29 min
